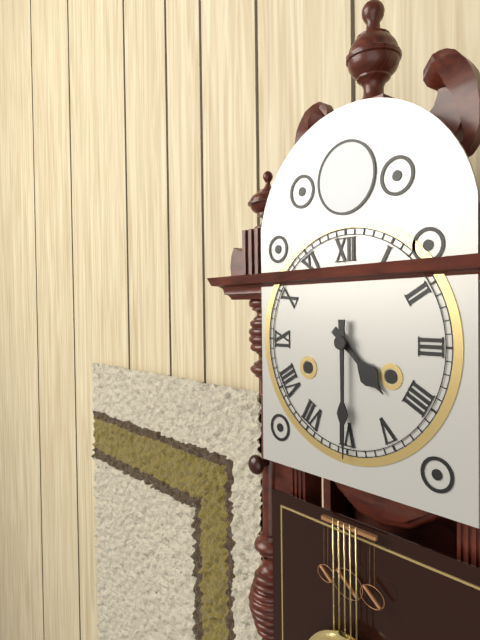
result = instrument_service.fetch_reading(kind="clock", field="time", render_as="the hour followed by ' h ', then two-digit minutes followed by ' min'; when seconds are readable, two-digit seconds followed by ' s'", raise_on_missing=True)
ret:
4 h 30 min
